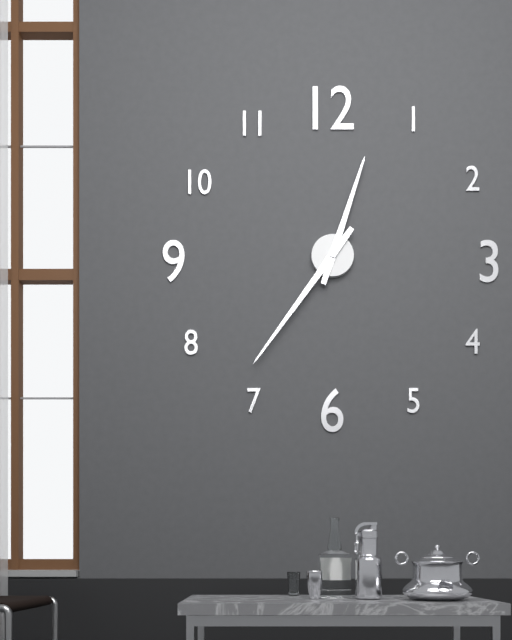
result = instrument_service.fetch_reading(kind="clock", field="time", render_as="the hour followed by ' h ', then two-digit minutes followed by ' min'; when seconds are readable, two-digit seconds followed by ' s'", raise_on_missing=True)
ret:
12 h 36 min
